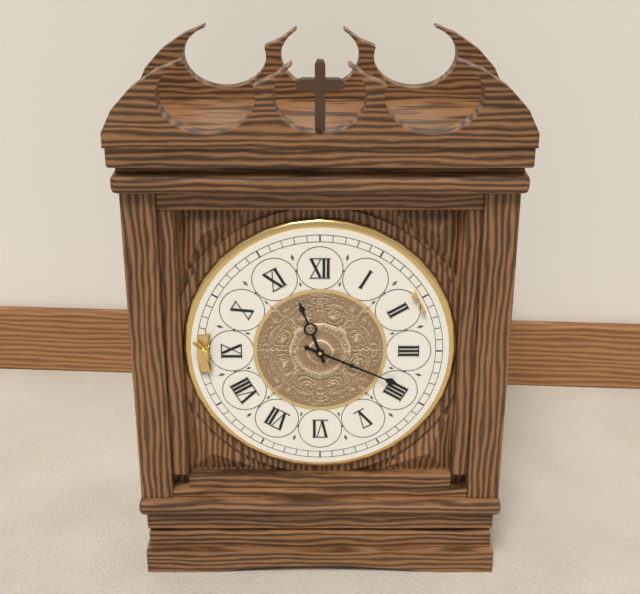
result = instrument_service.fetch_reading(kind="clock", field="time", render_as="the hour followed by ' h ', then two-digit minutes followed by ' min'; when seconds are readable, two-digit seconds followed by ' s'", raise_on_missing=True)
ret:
11 h 19 min
